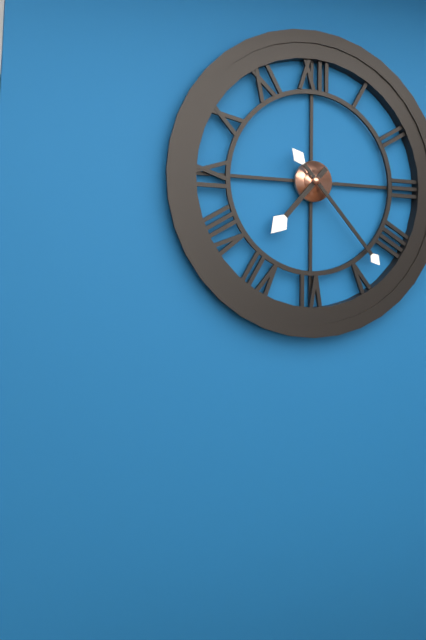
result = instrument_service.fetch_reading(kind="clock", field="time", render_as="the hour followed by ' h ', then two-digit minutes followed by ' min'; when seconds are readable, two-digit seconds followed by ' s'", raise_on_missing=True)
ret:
7 h 23 min
